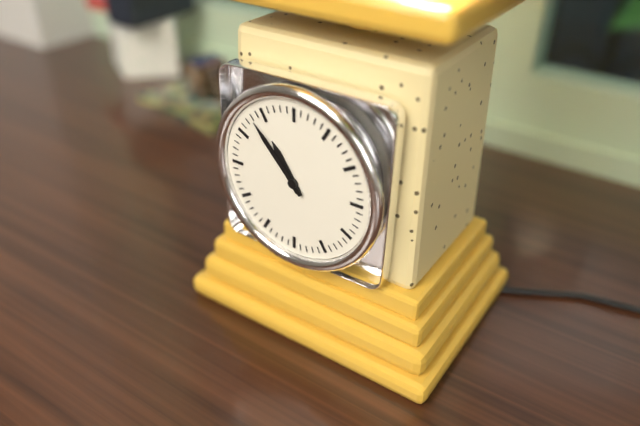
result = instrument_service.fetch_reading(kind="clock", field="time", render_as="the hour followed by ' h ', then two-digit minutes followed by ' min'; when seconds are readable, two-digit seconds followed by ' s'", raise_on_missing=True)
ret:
10 h 53 min
